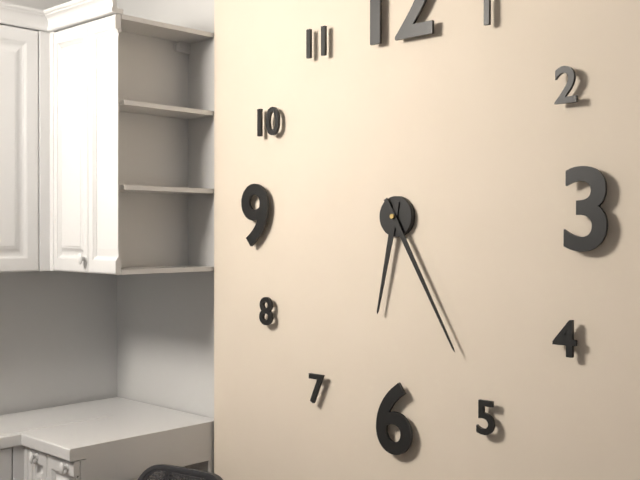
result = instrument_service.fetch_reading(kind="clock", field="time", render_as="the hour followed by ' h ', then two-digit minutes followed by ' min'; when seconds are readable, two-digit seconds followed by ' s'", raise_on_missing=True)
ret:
6 h 25 min
